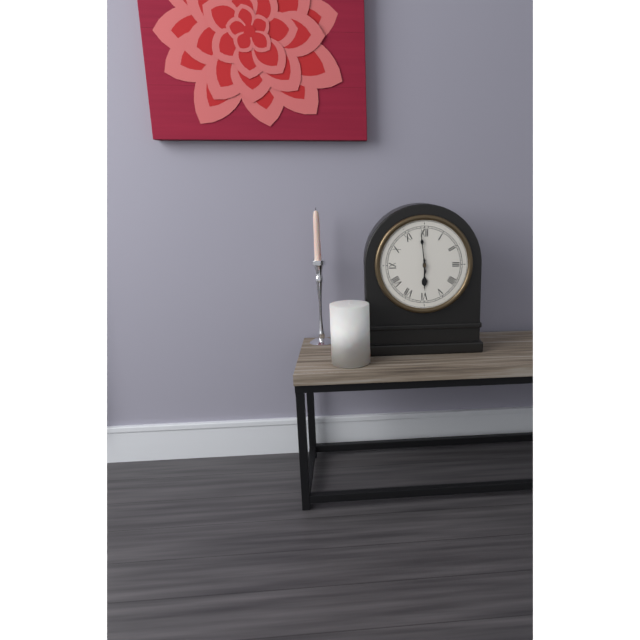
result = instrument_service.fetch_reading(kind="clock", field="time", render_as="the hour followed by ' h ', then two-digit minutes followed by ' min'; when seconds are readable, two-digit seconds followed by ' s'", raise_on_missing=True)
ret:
5 h 59 min
